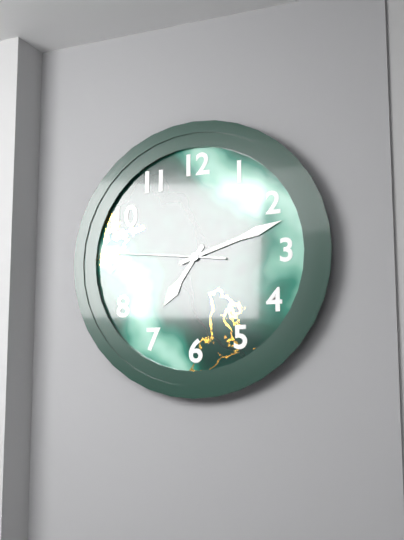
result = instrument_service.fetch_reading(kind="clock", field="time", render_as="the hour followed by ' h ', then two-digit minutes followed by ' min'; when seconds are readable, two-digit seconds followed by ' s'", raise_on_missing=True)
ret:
7 h 12 min 46 s
